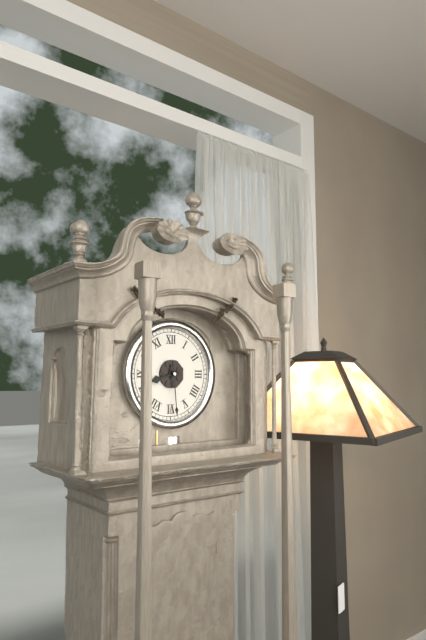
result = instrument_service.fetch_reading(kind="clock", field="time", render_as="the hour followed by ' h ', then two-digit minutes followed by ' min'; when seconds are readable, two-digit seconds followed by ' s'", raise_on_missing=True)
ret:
8 h 29 min
